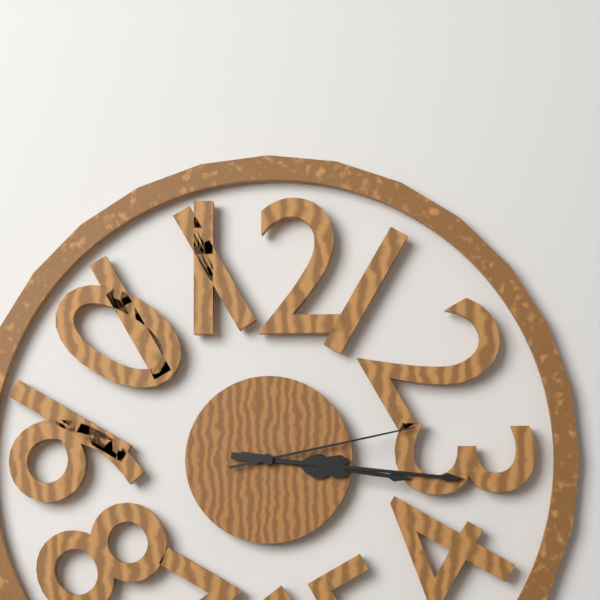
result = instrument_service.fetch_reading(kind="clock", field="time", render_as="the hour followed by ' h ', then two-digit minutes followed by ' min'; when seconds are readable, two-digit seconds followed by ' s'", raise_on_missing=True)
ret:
3 h 16 min 13 s
